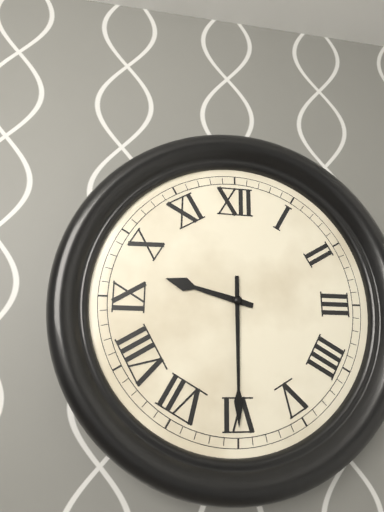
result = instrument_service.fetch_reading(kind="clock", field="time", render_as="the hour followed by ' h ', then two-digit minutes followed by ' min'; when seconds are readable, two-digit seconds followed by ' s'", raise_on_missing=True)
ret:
9 h 30 min
